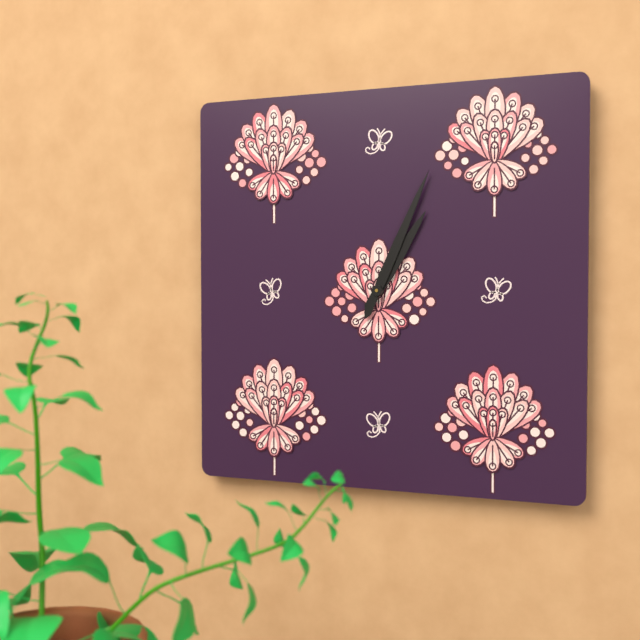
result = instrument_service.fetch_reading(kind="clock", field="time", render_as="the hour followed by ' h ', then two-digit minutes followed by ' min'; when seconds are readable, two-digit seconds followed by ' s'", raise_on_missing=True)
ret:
1 h 04 min
